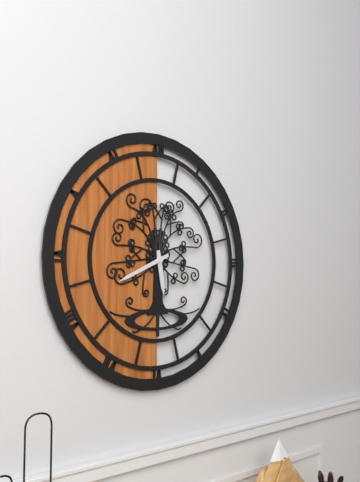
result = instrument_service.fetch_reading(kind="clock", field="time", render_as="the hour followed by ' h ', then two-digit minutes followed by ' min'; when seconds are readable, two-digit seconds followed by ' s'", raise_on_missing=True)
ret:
5 h 41 min
